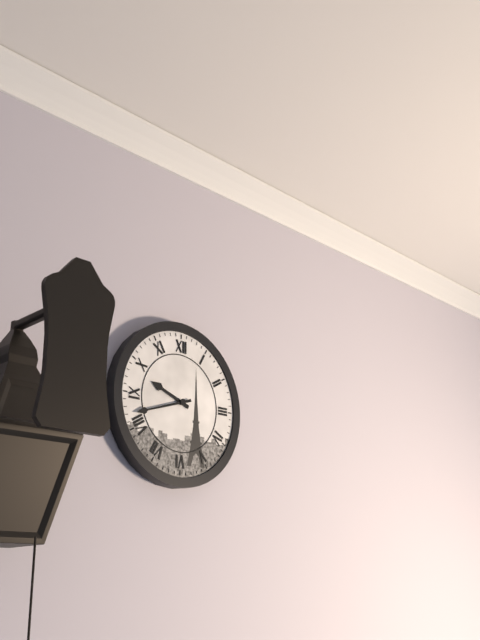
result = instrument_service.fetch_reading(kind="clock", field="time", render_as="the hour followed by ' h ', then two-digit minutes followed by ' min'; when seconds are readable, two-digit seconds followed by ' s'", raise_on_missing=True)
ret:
9 h 42 min
